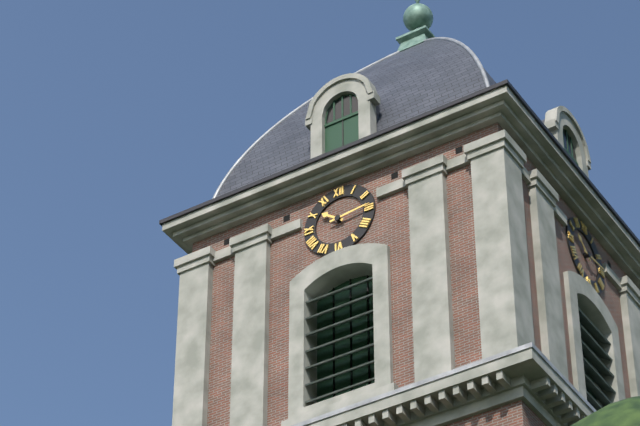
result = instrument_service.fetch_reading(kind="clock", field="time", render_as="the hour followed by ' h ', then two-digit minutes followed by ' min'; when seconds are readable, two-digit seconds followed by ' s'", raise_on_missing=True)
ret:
10 h 14 min
